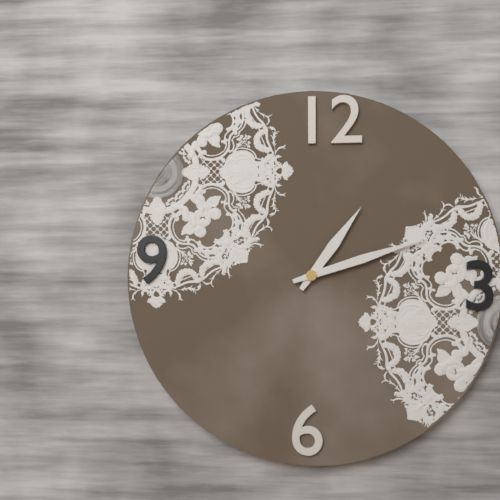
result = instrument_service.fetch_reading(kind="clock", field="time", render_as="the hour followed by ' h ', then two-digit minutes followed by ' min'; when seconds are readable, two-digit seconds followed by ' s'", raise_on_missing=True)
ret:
1 h 12 min
